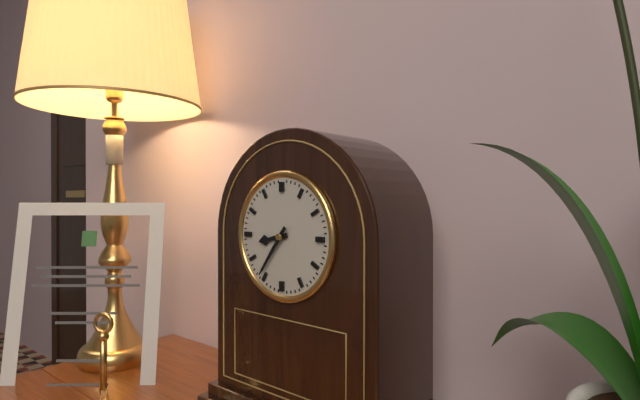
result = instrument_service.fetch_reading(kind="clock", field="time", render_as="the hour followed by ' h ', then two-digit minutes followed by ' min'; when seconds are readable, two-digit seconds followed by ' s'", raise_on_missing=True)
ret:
8 h 36 min
